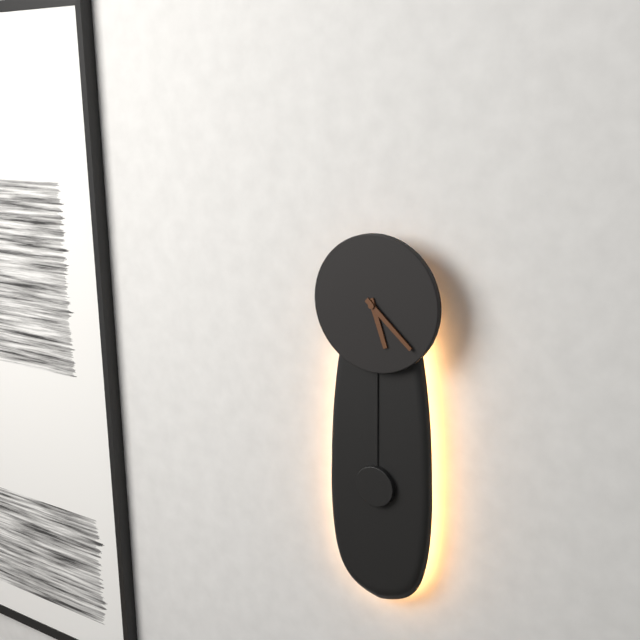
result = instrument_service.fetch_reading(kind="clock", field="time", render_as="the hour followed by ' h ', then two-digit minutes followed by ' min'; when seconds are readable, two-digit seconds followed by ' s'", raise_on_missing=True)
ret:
5 h 22 min
